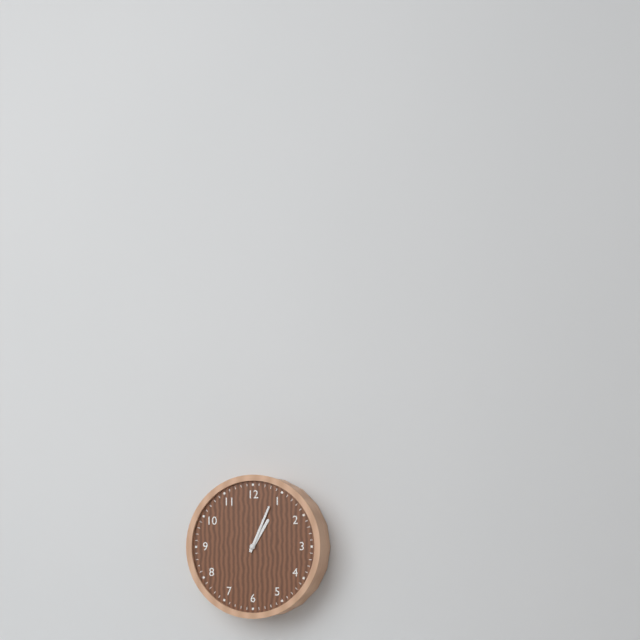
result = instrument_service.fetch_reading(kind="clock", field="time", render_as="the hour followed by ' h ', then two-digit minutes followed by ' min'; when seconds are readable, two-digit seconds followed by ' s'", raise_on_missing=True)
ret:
1 h 04 min
